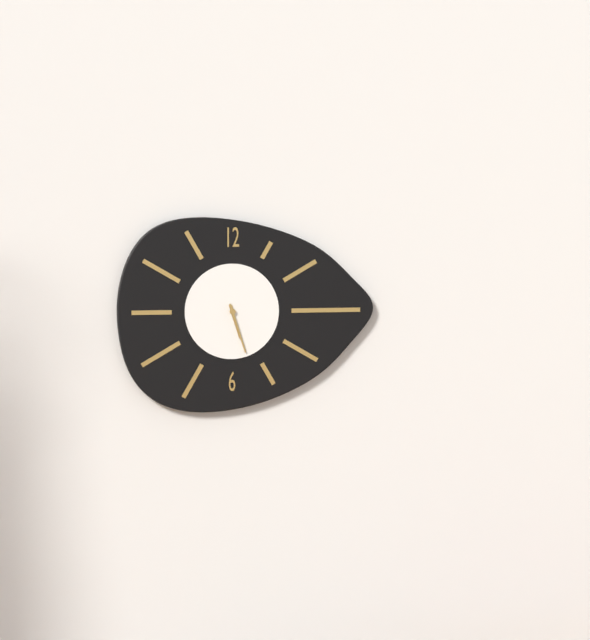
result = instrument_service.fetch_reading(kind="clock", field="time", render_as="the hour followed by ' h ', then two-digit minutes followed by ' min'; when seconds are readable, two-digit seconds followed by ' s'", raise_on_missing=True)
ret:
5 h 27 min
